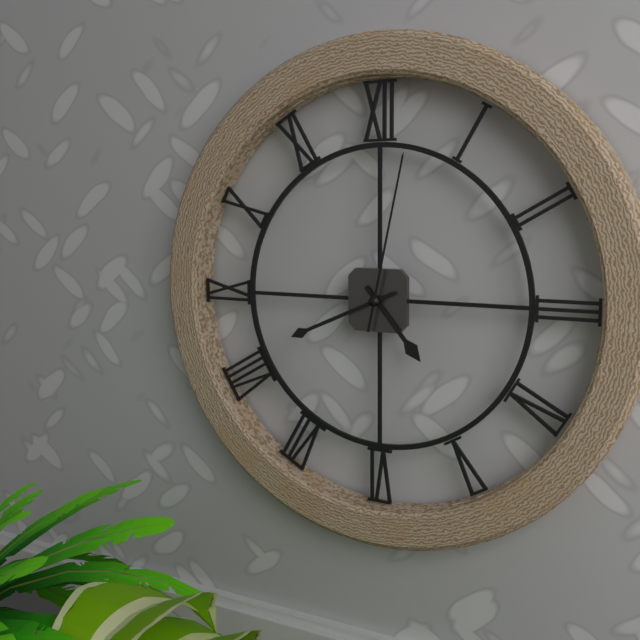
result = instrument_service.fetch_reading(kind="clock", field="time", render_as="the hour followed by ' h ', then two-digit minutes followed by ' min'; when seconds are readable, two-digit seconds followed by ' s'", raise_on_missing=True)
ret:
4 h 41 min 02 s
